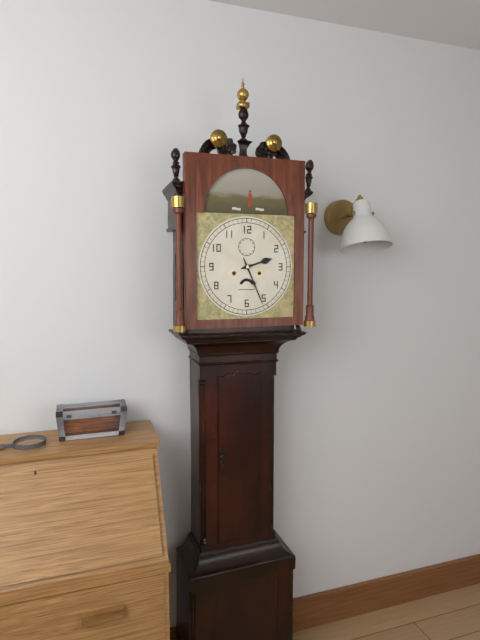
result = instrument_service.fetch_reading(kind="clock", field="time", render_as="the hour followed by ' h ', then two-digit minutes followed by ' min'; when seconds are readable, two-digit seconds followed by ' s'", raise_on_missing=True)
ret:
2 h 26 min
